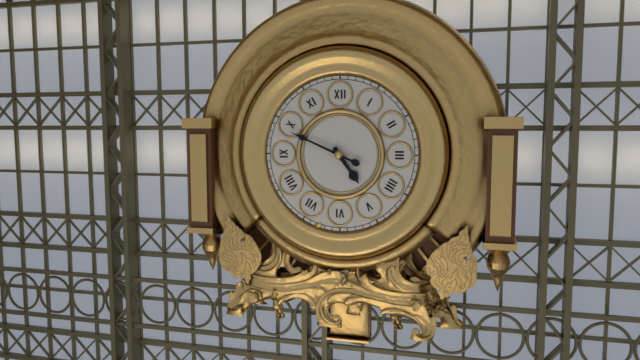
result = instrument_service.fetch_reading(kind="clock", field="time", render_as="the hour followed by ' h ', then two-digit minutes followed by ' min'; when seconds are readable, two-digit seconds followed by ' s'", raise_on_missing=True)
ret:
4 h 49 min
